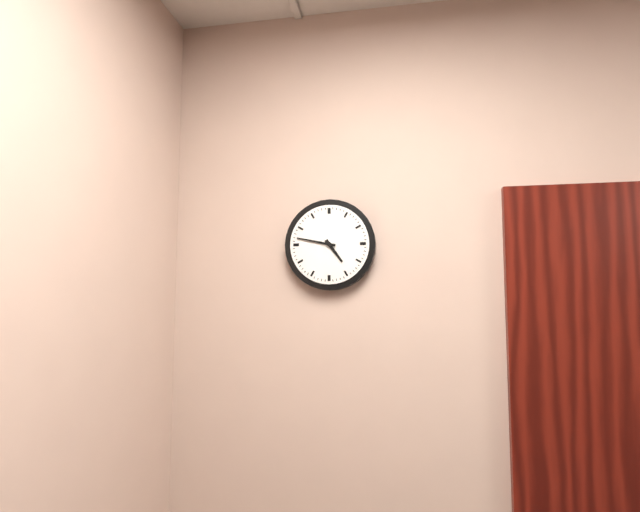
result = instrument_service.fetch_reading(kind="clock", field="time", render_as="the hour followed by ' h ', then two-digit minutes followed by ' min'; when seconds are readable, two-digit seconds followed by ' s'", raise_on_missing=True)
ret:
4 h 47 min
